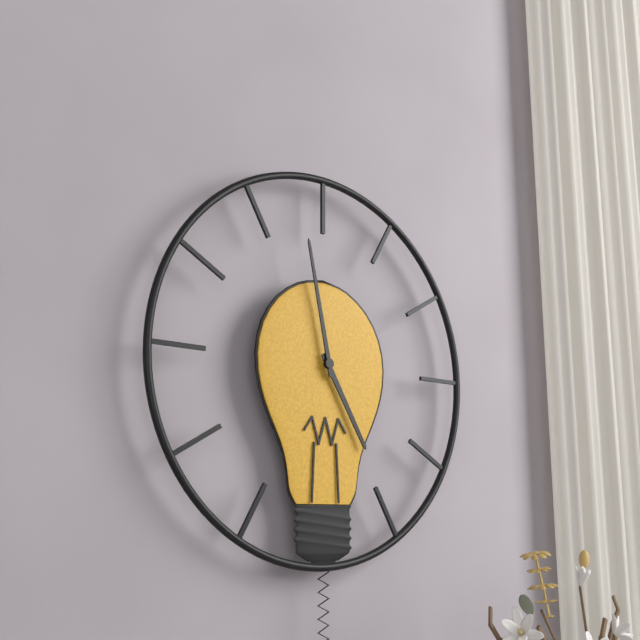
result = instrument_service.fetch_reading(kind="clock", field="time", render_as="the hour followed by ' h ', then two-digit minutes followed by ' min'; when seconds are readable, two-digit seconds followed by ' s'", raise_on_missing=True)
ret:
4 h 58 min
